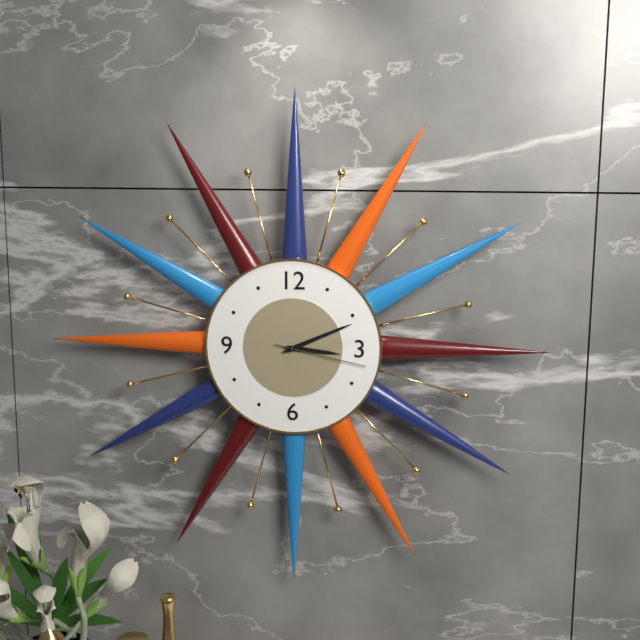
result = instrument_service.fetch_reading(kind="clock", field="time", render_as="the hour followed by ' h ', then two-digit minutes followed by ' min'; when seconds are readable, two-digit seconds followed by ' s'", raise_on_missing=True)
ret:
3 h 11 min 17 s
